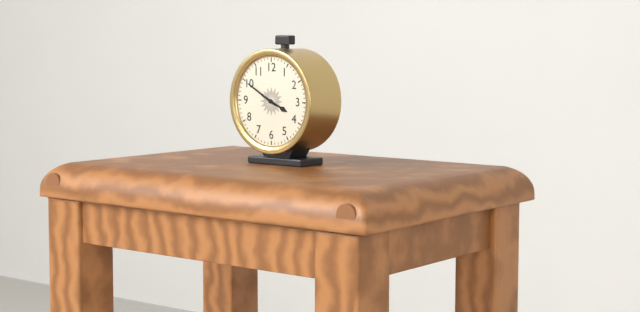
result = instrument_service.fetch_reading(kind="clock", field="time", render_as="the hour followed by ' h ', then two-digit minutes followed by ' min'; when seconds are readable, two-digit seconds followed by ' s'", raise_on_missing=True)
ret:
3 h 50 min
